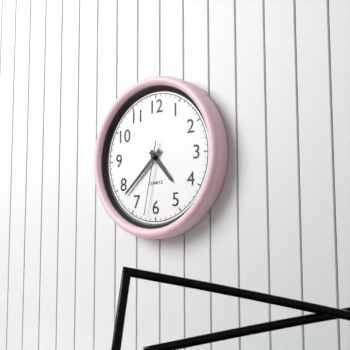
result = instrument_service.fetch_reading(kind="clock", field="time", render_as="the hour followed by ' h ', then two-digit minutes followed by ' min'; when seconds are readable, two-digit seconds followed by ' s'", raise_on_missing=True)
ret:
4 h 38 min 32 s
